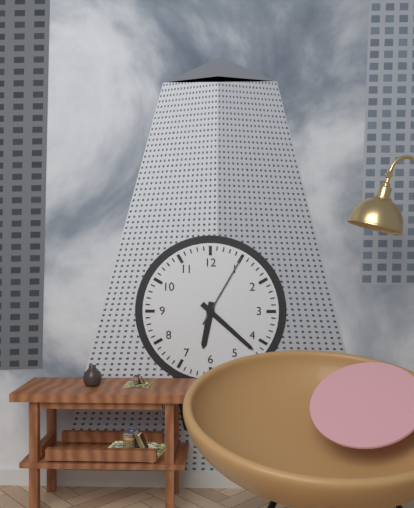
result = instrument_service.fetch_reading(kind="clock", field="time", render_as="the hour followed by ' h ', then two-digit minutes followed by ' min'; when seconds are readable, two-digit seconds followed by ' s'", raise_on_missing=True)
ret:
6 h 22 min 05 s
